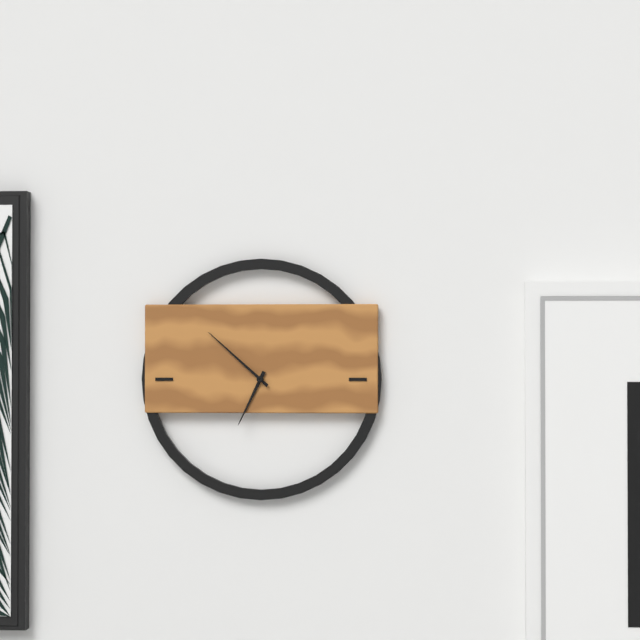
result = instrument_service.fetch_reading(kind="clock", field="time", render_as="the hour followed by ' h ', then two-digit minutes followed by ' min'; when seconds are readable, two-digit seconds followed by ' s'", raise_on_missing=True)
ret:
6 h 52 min
